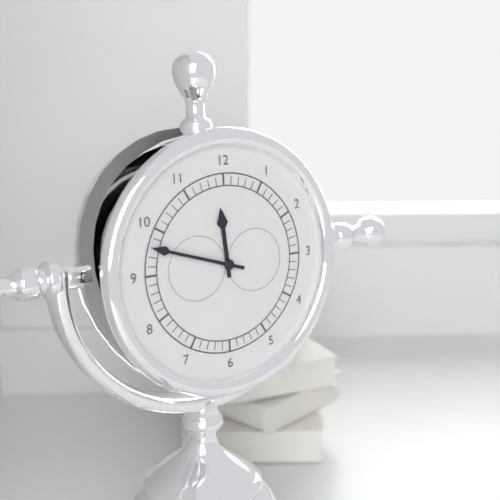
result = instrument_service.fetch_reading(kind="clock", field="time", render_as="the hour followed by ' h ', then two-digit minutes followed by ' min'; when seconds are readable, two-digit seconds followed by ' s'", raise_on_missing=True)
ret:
11 h 48 min
